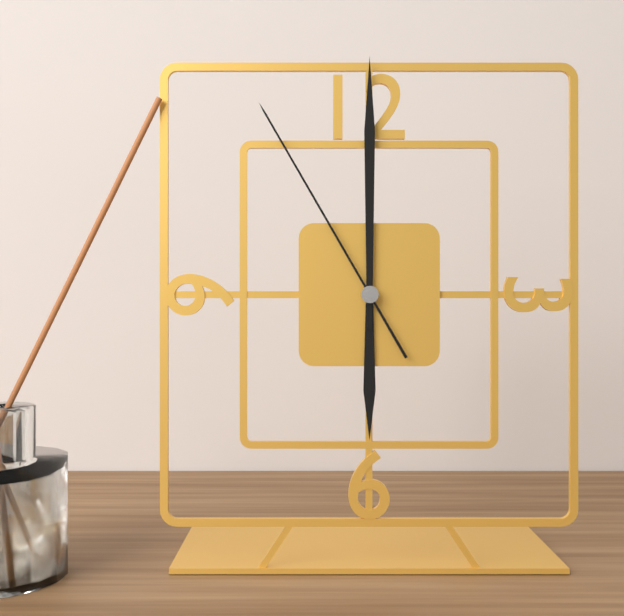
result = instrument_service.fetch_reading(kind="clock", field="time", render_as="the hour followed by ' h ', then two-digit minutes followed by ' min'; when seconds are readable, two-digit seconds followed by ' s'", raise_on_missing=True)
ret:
6 h 00 min 55 s
